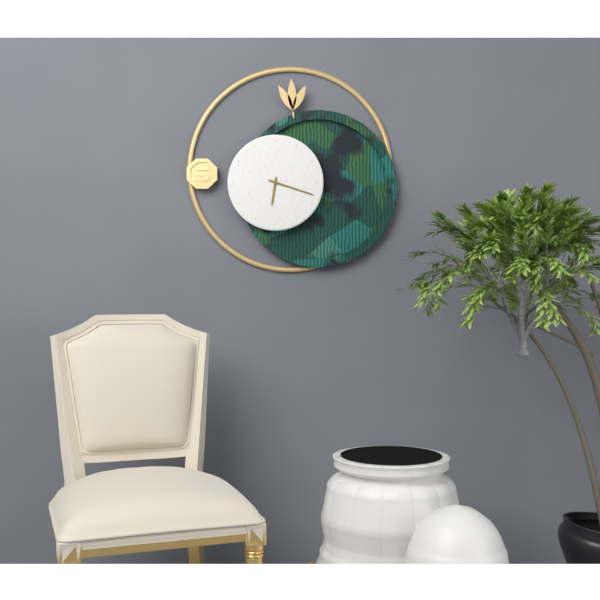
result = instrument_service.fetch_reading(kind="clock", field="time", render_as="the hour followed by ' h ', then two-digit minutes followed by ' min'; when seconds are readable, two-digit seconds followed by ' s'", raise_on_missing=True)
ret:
6 h 18 min
